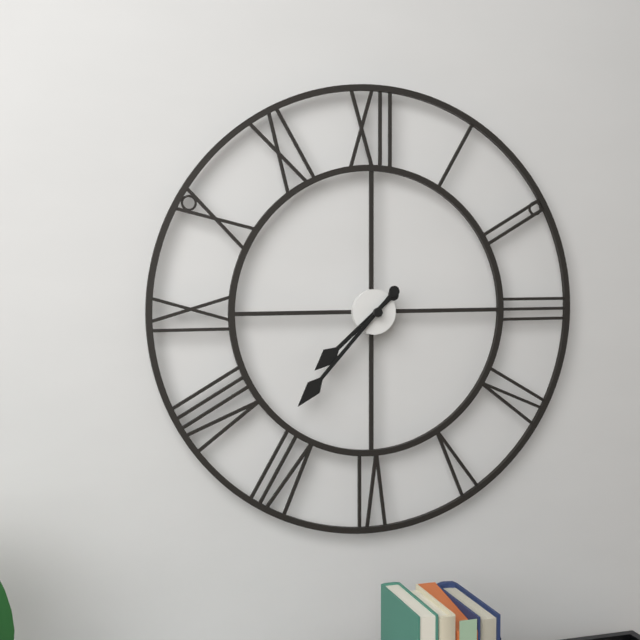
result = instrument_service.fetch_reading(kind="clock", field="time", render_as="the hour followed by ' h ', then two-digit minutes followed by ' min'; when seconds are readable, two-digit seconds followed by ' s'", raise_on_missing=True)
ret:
7 h 37 min
